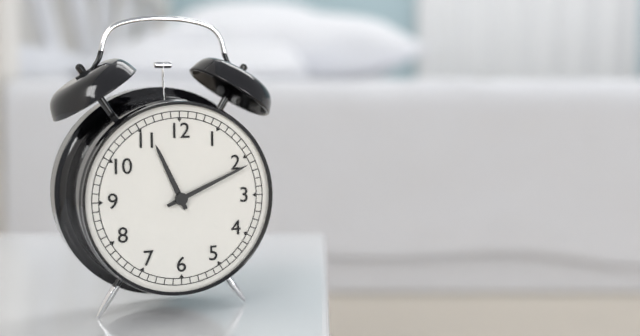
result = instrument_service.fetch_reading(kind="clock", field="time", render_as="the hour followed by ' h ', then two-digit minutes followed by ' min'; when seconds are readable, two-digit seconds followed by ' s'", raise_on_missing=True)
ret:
11 h 11 min
